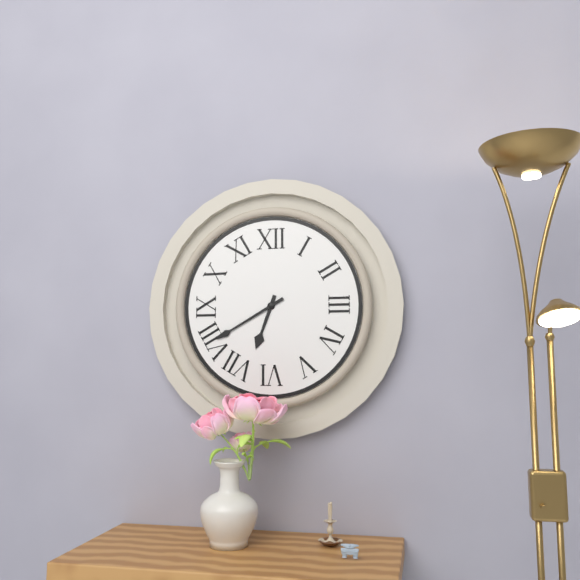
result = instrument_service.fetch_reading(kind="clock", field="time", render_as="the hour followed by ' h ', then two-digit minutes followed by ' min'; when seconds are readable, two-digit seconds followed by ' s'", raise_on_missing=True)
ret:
6 h 40 min
